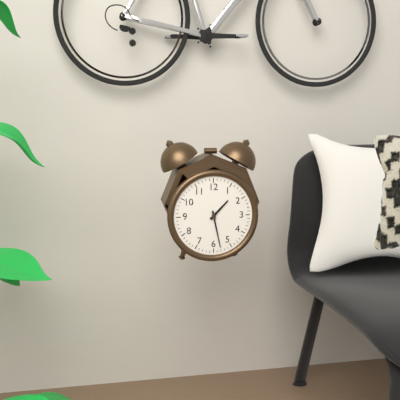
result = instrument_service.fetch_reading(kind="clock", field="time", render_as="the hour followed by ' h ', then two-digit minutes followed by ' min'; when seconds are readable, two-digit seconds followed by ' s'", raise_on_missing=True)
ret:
1 h 28 min
